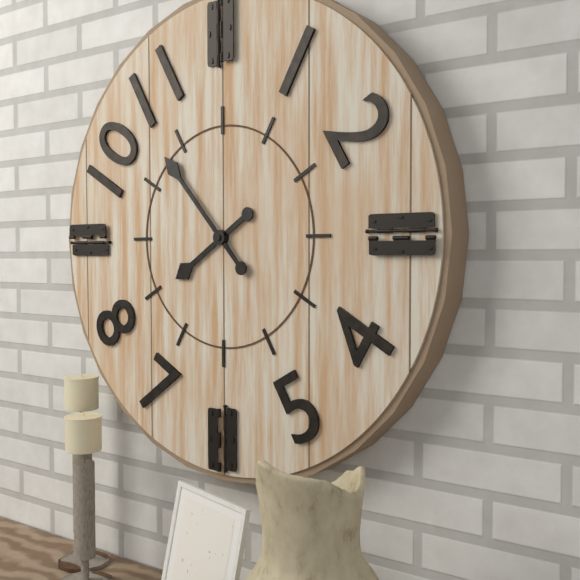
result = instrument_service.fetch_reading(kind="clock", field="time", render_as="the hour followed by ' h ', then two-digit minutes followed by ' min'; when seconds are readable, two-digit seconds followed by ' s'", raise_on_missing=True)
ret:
7 h 53 min
